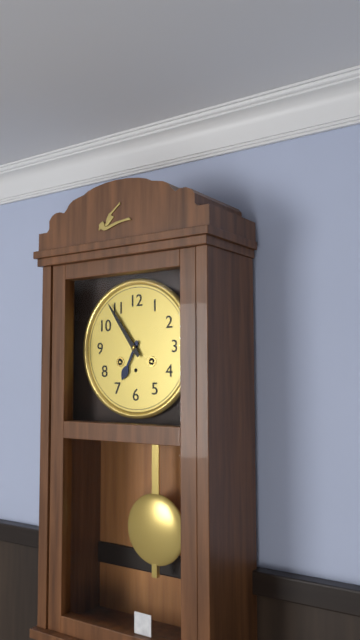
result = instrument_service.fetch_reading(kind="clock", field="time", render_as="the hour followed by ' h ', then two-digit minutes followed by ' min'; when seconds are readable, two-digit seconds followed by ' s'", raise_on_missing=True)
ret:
6 h 54 min
